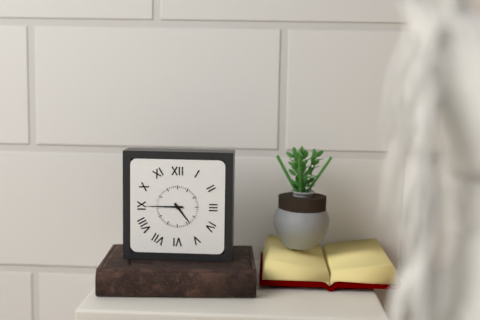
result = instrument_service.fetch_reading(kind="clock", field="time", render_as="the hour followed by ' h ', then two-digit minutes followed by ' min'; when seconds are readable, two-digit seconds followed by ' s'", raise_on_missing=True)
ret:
4 h 45 min
